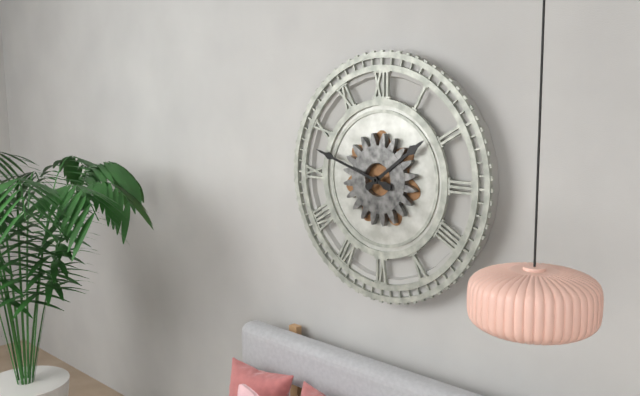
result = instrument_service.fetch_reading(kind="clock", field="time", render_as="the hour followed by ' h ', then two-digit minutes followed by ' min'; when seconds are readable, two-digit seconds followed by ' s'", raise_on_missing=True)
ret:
1 h 48 min
